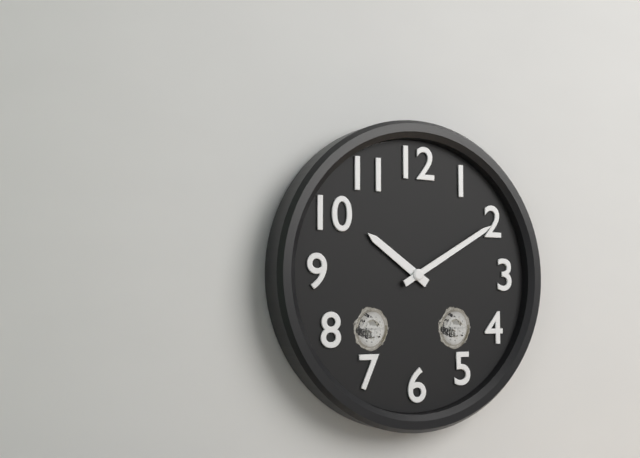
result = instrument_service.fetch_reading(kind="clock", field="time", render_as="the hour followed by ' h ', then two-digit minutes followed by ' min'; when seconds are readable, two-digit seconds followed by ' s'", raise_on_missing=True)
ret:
10 h 10 min
